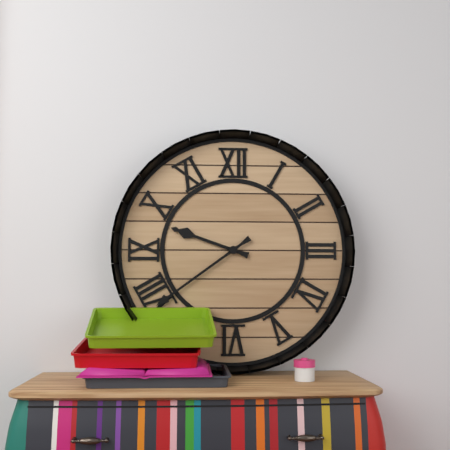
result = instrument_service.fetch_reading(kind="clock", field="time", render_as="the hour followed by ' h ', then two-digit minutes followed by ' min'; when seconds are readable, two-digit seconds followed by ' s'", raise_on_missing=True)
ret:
9 h 39 min
